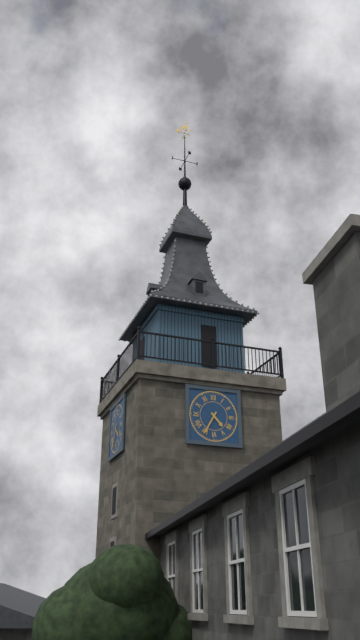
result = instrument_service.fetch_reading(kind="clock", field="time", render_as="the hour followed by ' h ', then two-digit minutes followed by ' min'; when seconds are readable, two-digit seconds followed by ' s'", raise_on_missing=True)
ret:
4 h 35 min
